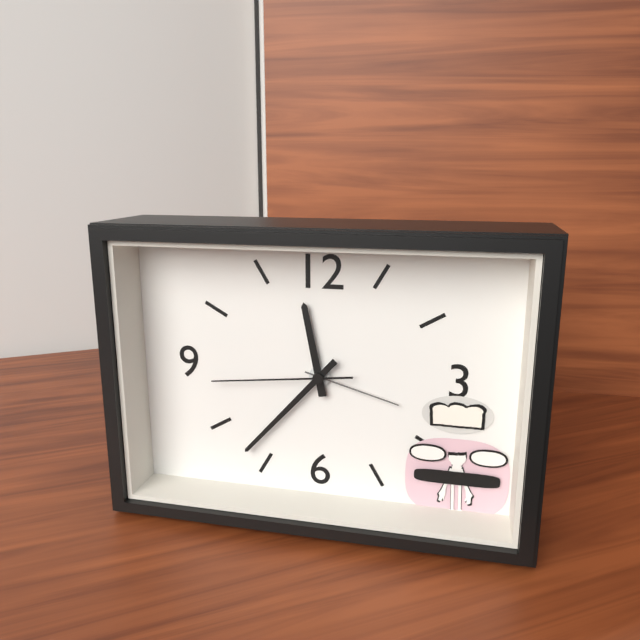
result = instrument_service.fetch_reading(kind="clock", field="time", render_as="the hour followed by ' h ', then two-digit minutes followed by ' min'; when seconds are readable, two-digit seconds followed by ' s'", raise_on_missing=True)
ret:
11 h 37 min 44 s
